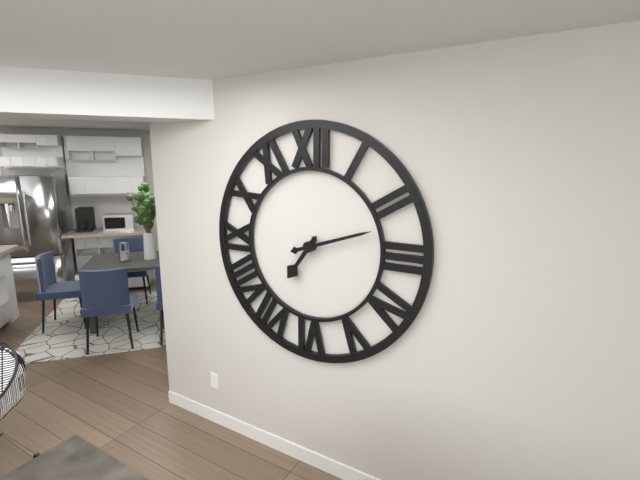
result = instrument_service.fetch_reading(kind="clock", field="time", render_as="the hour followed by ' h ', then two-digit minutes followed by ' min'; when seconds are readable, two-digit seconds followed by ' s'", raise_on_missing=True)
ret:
7 h 12 min
